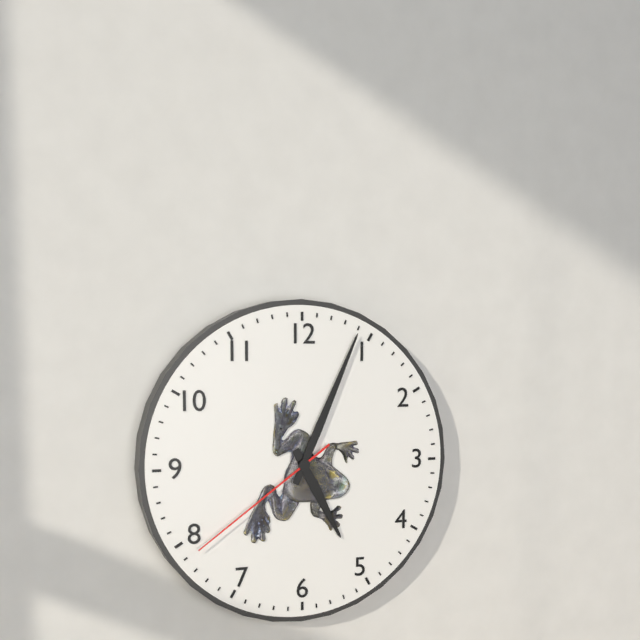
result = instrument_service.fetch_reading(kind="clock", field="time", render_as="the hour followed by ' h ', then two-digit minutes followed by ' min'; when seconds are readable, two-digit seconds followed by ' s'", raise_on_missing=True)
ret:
5 h 04 min 39 s
